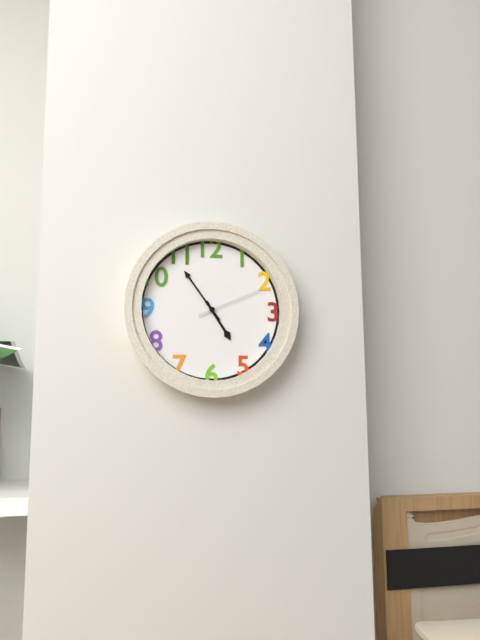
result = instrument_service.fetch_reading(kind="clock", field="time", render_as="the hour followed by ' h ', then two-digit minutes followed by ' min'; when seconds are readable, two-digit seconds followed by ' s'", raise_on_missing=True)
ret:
4 h 54 min 11 s
